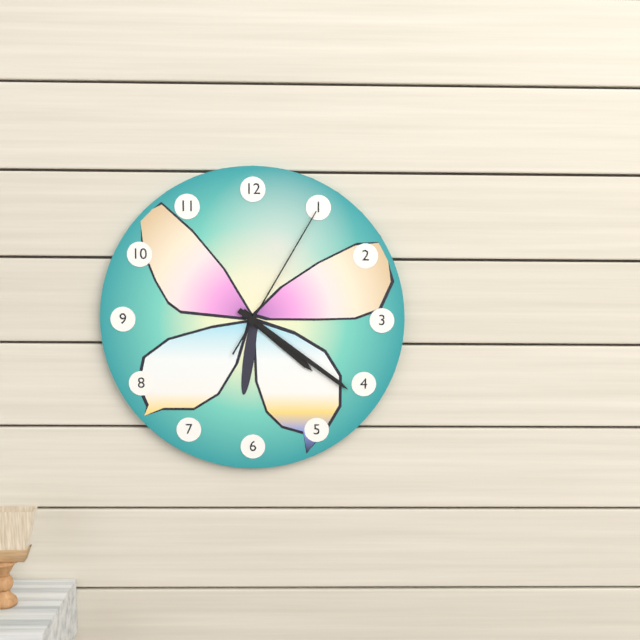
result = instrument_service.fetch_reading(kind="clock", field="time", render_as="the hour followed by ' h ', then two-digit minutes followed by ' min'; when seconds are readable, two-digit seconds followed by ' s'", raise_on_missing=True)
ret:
4 h 21 min 05 s
